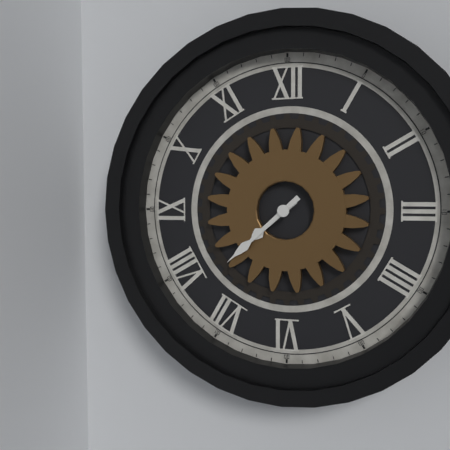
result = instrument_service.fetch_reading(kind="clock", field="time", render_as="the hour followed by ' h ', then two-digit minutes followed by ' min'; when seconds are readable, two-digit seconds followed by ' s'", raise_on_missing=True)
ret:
7 h 38 min
